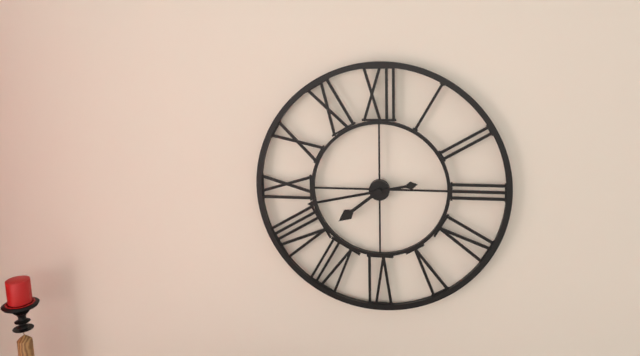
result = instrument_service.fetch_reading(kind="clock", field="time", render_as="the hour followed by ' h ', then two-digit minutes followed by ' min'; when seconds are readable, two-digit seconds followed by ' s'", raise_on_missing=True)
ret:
7 h 43 min
